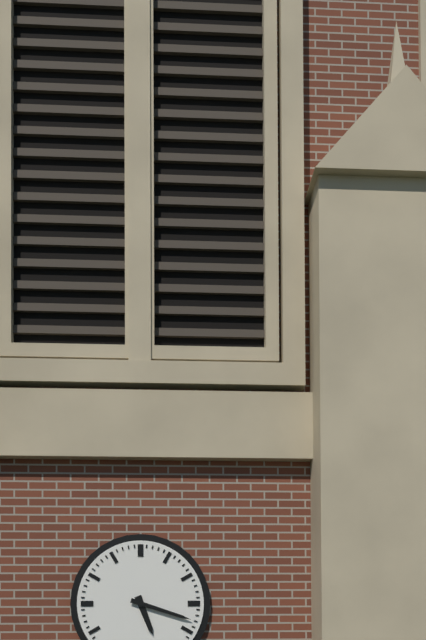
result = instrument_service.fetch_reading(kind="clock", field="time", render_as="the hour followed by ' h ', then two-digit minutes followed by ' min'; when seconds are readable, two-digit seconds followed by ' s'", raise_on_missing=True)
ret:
5 h 18 min
